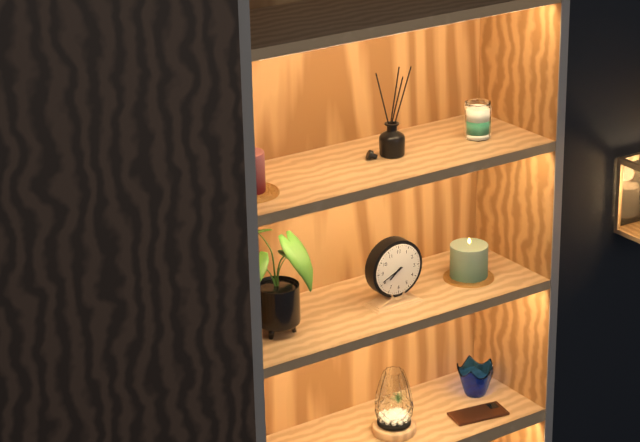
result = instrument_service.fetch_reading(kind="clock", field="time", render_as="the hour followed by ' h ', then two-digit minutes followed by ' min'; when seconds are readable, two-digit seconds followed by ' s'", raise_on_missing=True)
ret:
7 h 41 min
